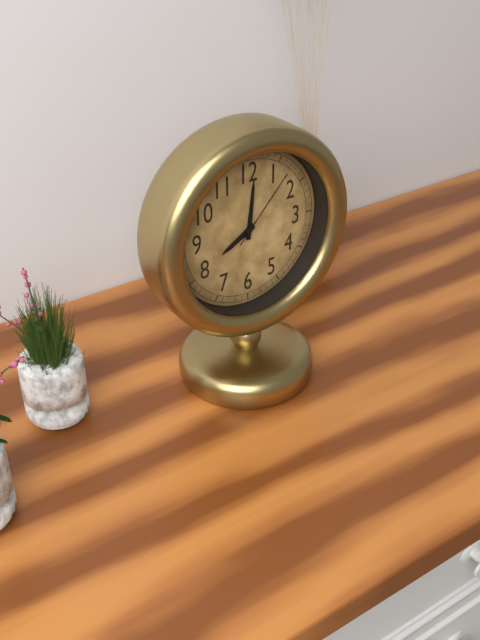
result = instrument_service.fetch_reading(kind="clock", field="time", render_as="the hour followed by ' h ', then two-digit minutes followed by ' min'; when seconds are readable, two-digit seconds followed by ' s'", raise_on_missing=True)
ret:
8 h 01 min 07 s
